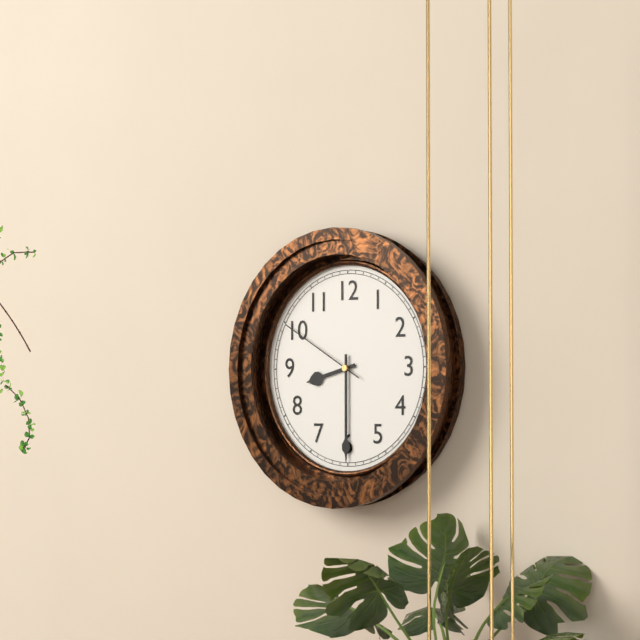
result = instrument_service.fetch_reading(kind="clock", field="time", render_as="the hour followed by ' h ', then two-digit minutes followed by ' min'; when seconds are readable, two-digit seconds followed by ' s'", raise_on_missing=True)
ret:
8 h 30 min 50 s
